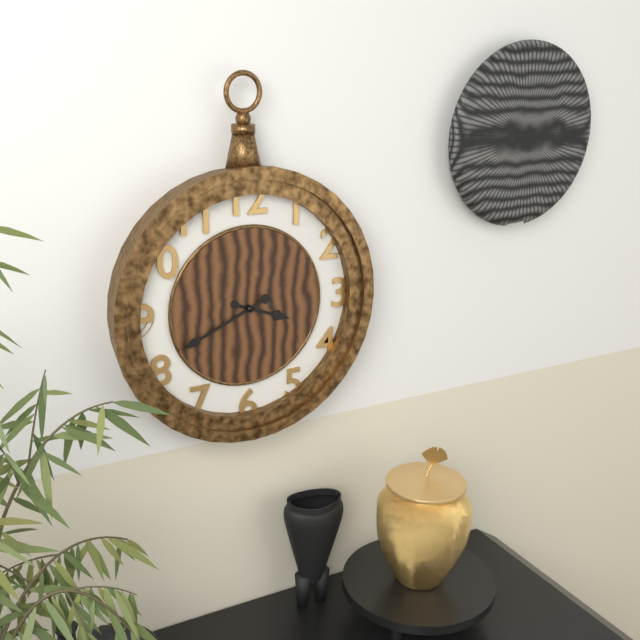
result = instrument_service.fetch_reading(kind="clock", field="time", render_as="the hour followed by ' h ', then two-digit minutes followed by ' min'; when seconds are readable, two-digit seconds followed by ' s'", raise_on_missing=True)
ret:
3 h 41 min
